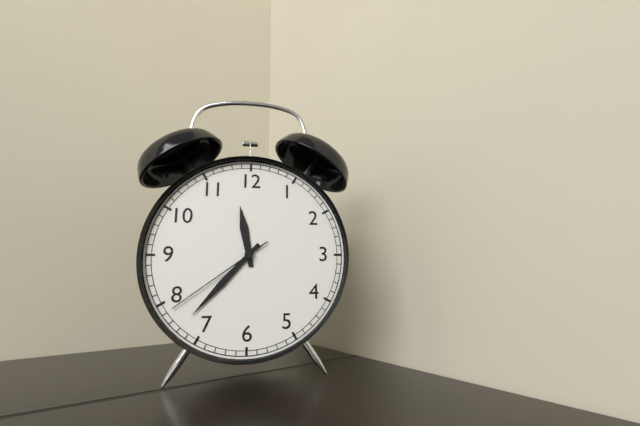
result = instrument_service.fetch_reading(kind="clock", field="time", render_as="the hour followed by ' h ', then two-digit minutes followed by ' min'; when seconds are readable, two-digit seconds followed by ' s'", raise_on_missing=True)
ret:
11 h 37 min 39 s
